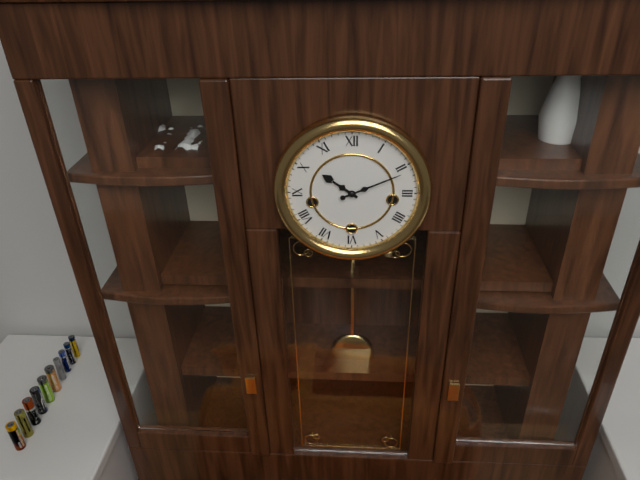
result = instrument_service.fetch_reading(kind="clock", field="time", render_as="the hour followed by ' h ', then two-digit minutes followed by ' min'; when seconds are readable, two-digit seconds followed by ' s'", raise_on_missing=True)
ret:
10 h 11 min
